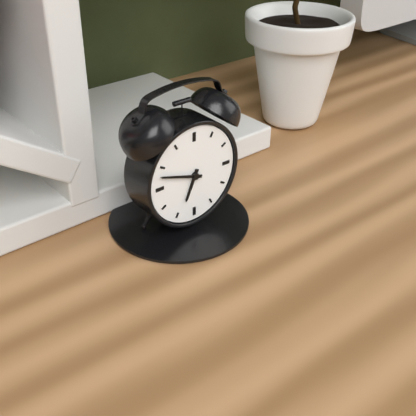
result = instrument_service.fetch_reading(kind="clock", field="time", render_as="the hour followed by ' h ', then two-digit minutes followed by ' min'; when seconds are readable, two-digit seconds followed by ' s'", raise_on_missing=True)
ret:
6 h 48 min
